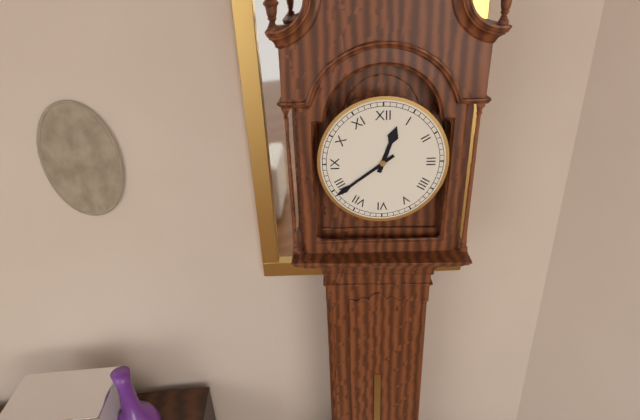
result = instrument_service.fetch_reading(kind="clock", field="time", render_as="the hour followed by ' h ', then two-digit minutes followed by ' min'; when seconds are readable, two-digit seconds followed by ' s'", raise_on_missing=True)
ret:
12 h 39 min
